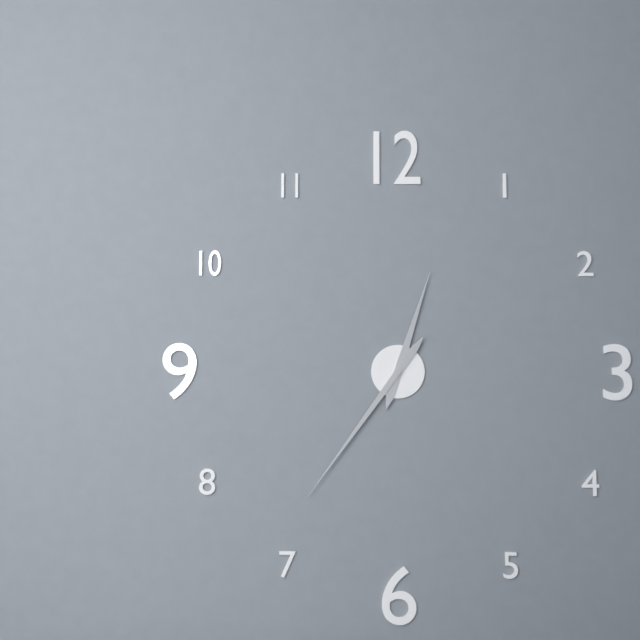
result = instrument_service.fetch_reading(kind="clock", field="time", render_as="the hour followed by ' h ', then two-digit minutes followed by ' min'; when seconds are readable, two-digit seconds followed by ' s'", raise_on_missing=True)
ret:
12 h 36 min
